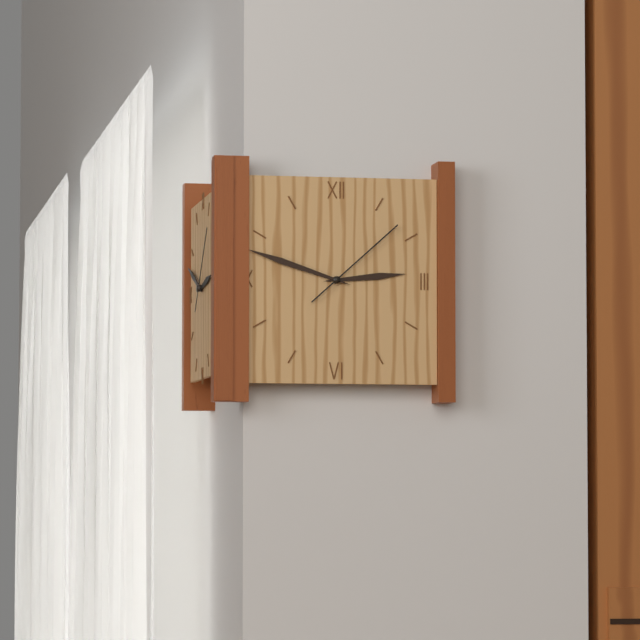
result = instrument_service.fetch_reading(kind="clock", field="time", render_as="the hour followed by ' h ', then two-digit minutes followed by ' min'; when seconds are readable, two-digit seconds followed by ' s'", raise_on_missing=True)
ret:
2 h 48 min 08 s
